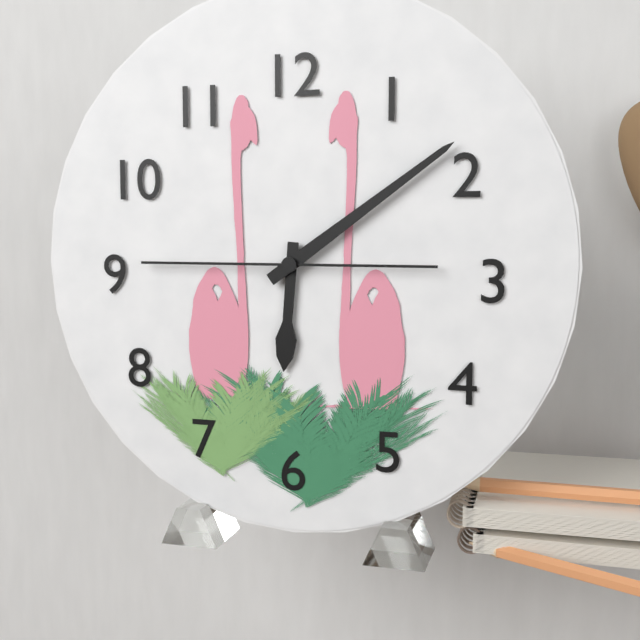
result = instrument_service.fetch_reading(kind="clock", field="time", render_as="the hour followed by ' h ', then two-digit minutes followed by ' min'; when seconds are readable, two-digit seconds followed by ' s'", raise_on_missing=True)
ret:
6 h 09 min 45 s
